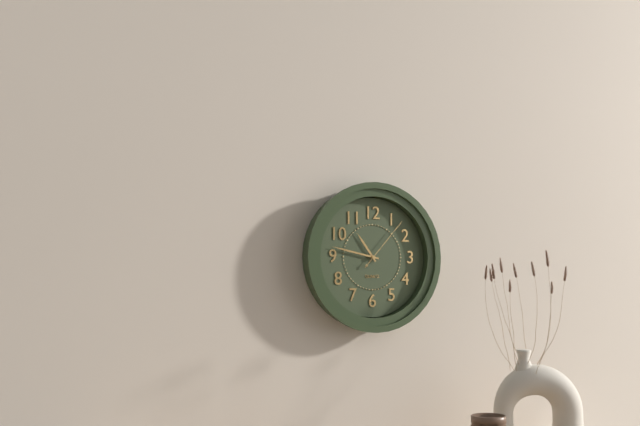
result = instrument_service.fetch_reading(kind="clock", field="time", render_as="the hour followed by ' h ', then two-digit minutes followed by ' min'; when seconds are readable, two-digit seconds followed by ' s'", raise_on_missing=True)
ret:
10 h 47 min 07 s
